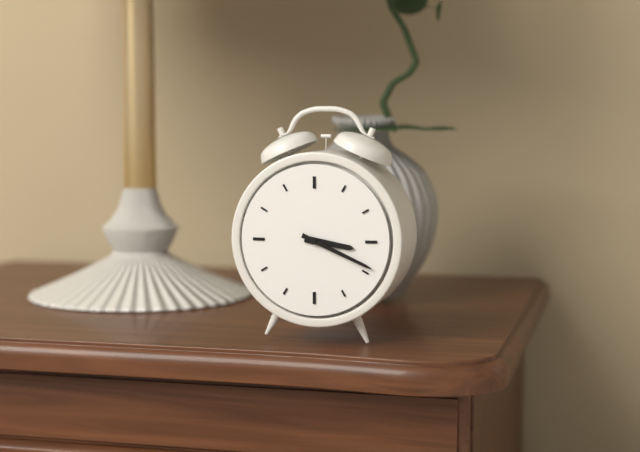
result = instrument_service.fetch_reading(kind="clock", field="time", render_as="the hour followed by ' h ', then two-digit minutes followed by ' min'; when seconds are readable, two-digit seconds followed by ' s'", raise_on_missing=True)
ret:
3 h 19 min
